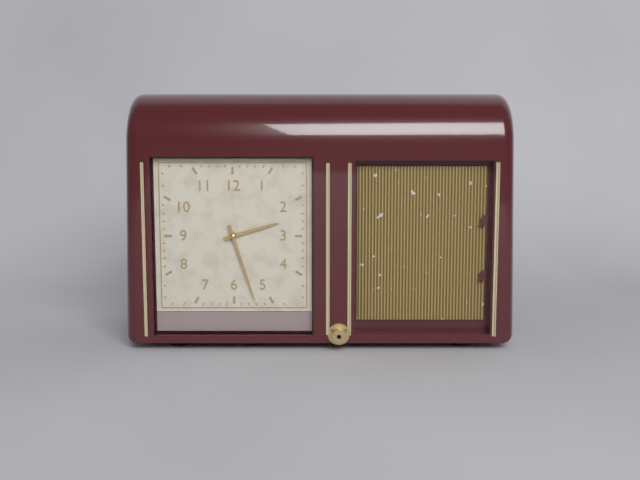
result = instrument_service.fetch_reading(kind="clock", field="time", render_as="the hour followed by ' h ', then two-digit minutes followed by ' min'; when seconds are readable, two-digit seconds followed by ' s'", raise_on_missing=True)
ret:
2 h 27 min
